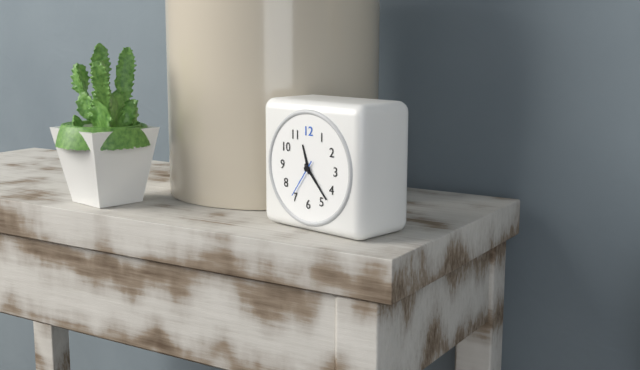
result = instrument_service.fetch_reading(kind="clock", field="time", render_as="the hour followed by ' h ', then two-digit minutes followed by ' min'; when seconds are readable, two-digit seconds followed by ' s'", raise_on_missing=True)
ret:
11 h 23 min
